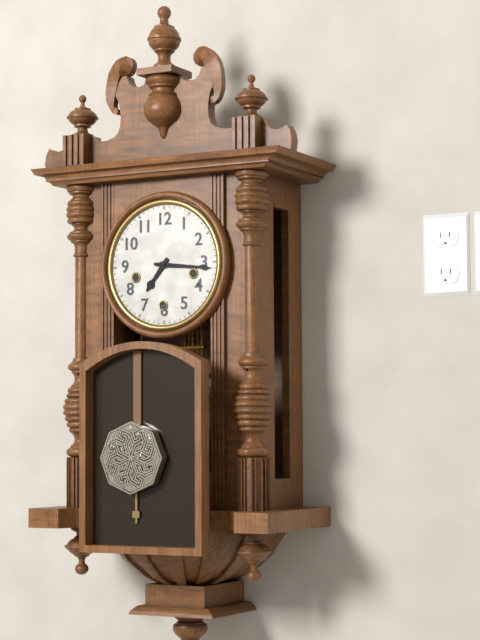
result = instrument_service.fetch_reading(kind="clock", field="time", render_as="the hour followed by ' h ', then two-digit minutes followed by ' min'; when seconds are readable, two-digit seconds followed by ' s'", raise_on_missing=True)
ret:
7 h 16 min
